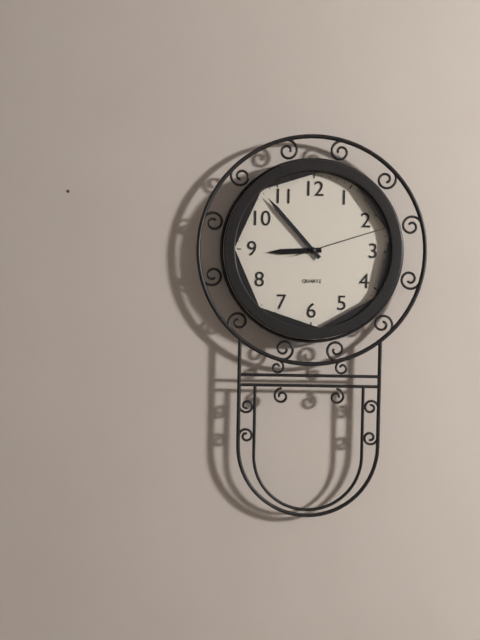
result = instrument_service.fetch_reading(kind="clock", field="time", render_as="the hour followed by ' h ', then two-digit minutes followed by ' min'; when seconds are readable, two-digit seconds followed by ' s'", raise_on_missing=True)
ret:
8 h 53 min 12 s
